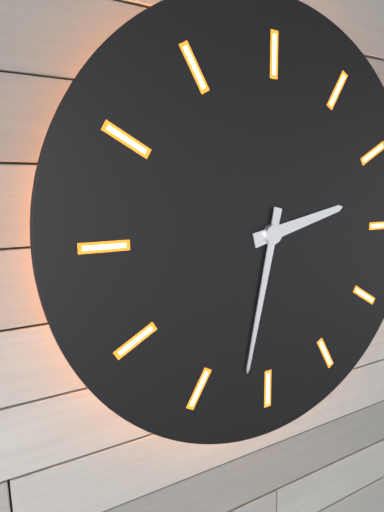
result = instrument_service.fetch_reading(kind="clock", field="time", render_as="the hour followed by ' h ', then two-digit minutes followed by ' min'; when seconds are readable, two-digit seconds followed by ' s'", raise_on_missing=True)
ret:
2 h 32 min
